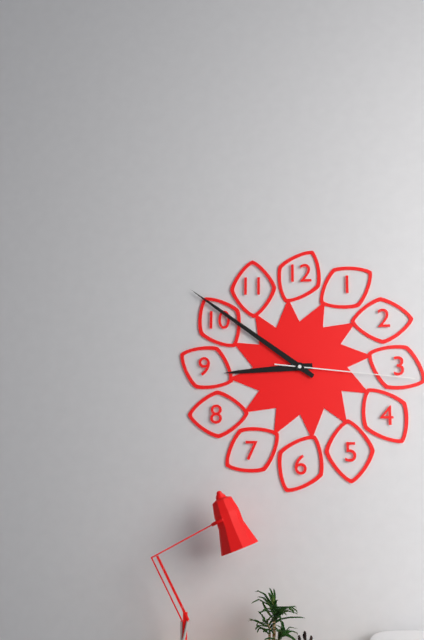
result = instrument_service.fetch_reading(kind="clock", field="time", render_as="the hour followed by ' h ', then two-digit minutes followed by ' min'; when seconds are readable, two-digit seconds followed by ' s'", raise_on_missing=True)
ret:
8 h 51 min 16 s
